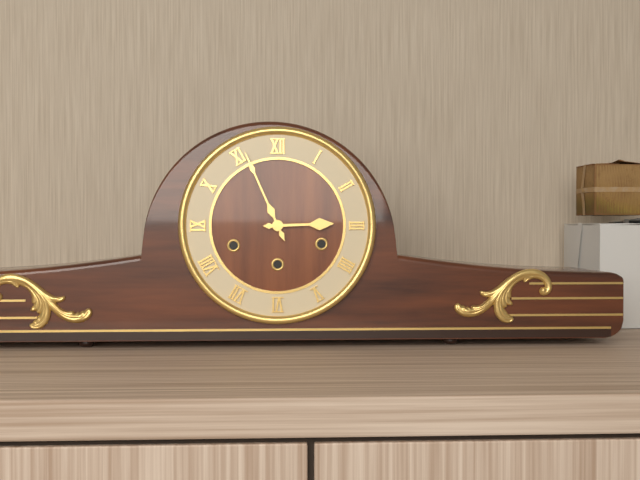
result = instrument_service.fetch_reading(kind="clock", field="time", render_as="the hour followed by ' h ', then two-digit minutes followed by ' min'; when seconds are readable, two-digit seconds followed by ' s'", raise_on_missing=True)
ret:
2 h 56 min
